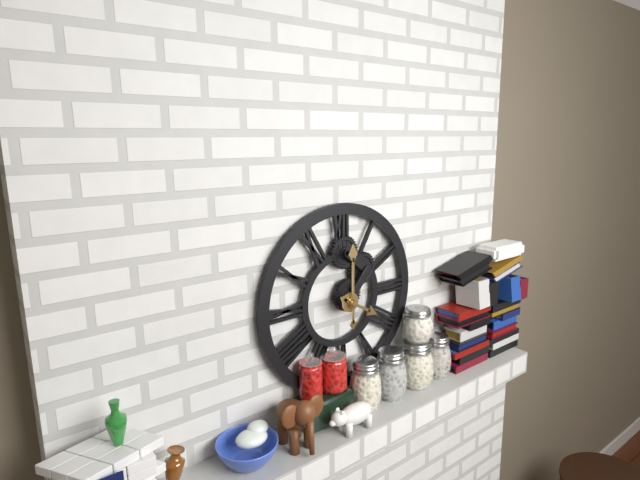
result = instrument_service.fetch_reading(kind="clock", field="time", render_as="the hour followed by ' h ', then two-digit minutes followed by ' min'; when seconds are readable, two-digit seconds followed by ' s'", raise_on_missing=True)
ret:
4 h 00 min
